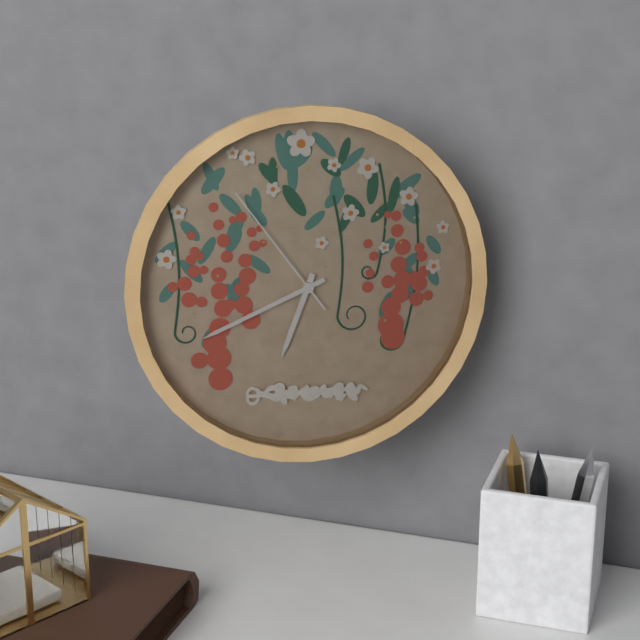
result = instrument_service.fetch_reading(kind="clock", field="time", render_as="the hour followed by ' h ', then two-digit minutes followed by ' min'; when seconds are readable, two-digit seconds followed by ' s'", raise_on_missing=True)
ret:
6 h 41 min 54 s
